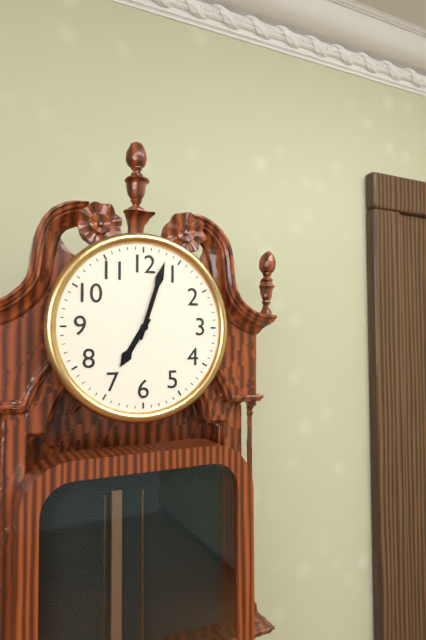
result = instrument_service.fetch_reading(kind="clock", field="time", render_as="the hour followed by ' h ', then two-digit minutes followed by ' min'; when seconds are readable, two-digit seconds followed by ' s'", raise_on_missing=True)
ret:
7 h 03 min
